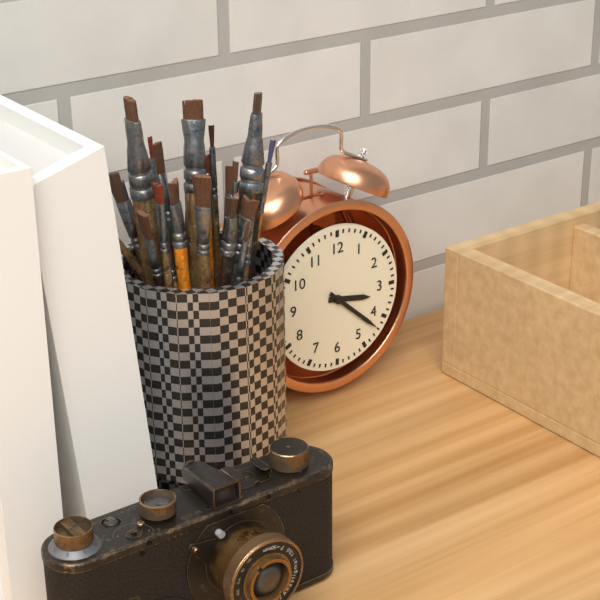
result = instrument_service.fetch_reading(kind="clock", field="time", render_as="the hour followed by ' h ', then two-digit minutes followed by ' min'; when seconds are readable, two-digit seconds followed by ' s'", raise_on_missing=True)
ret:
3 h 22 min
